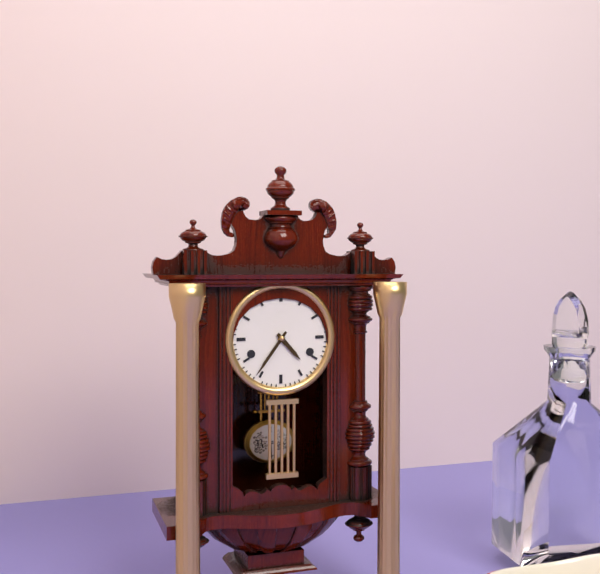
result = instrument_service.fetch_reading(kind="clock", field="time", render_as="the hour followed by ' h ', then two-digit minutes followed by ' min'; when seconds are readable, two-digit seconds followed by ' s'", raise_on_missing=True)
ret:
4 h 36 min
